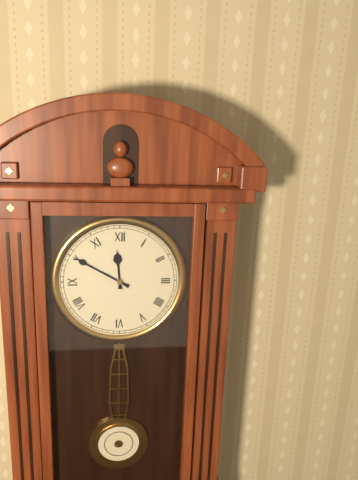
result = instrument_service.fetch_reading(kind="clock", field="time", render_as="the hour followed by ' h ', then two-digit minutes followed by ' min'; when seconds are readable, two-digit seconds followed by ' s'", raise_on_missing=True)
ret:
11 h 50 min
